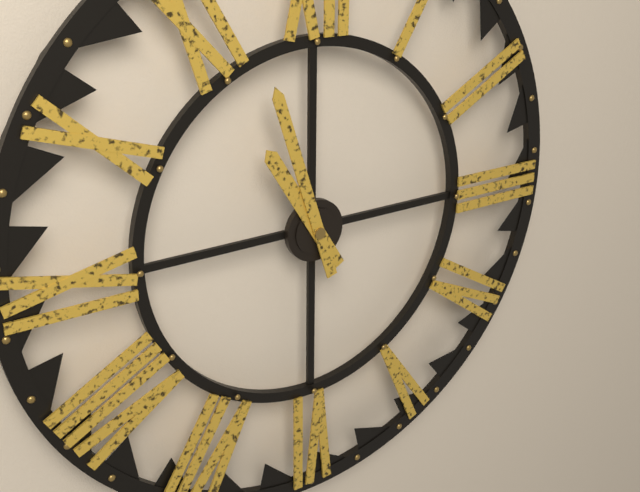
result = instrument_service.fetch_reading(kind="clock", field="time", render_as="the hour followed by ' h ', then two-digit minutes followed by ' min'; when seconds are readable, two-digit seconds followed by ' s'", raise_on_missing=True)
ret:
10 h 57 min
